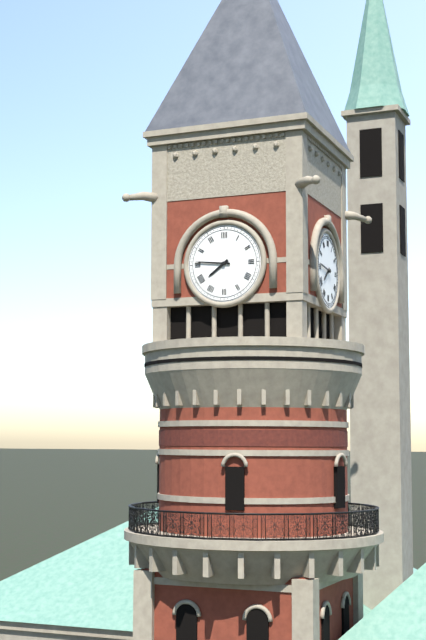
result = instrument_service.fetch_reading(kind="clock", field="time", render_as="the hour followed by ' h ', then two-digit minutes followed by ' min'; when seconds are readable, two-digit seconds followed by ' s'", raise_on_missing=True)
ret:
7 h 46 min
